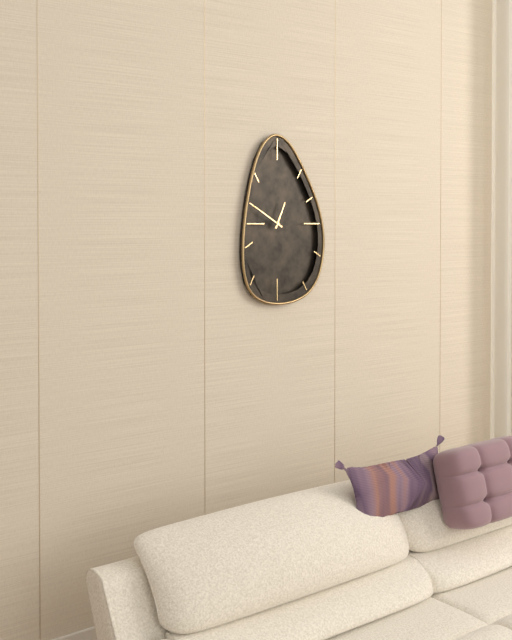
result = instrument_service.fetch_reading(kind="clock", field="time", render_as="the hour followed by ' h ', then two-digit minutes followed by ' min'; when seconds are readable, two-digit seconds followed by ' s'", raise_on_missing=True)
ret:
12 h 50 min
